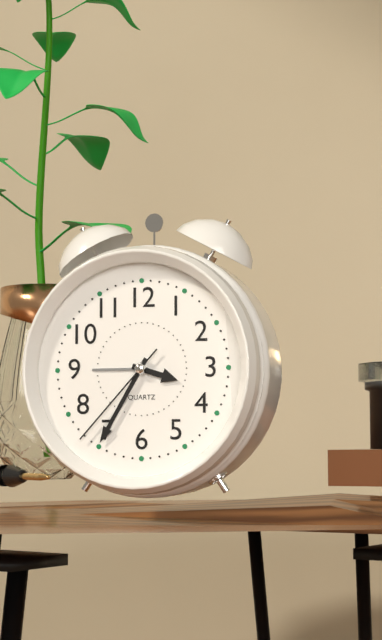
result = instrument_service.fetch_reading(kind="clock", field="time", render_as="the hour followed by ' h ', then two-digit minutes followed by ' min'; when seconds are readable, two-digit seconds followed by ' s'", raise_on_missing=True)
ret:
3 h 35 min 37 s
